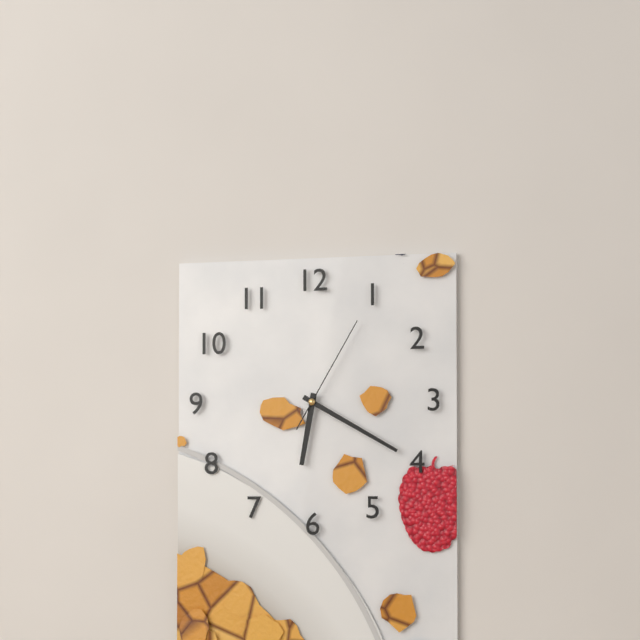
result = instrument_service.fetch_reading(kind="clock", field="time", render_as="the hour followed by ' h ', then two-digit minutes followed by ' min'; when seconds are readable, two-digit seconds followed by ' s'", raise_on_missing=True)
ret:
6 h 20 min 05 s
